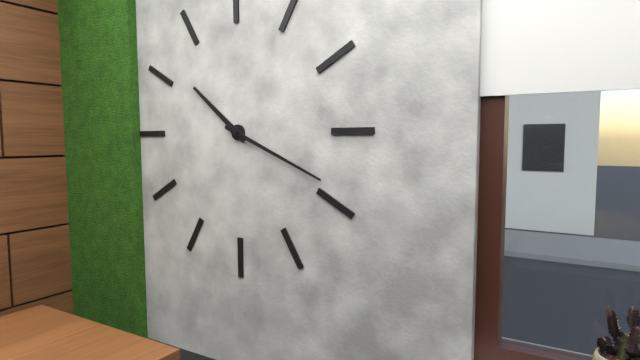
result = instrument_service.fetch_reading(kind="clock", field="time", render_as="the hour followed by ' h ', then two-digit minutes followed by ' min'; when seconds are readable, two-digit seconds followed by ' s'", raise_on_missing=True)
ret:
10 h 19 min
